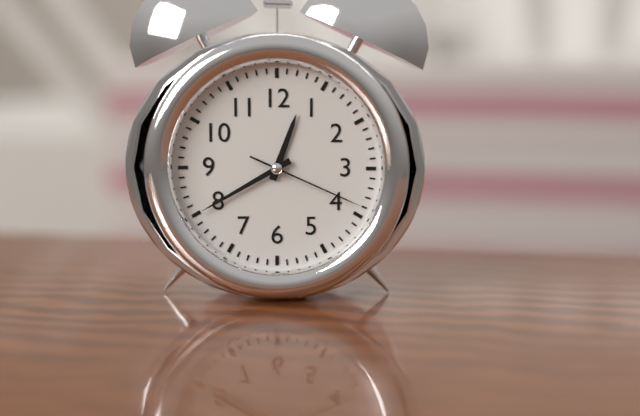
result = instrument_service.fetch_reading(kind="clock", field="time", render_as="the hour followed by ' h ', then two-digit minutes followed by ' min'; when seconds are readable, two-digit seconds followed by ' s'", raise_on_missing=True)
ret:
12 h 40 min 19 s
